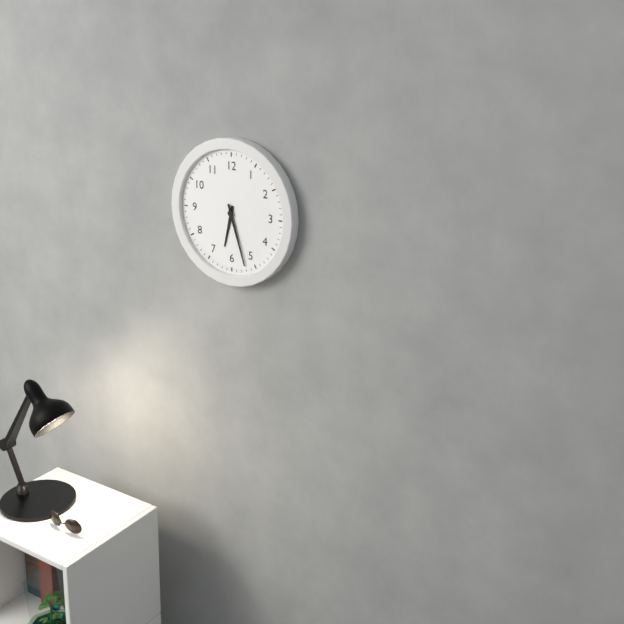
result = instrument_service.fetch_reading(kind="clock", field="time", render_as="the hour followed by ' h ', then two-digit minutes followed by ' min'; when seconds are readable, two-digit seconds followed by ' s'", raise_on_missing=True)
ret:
6 h 27 min
